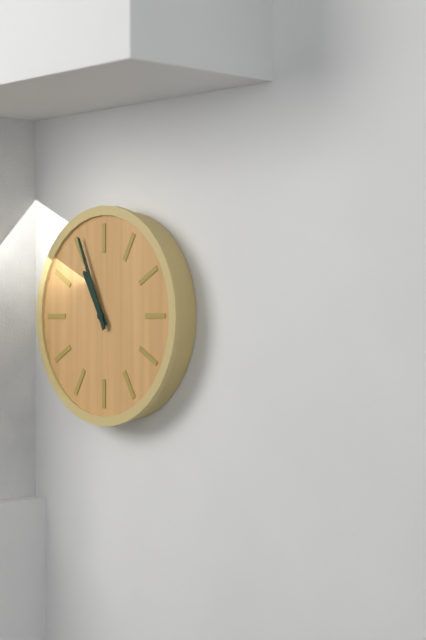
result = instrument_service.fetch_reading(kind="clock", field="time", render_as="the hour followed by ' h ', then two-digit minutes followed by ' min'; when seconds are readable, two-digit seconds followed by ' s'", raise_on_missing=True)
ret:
10 h 56 min
